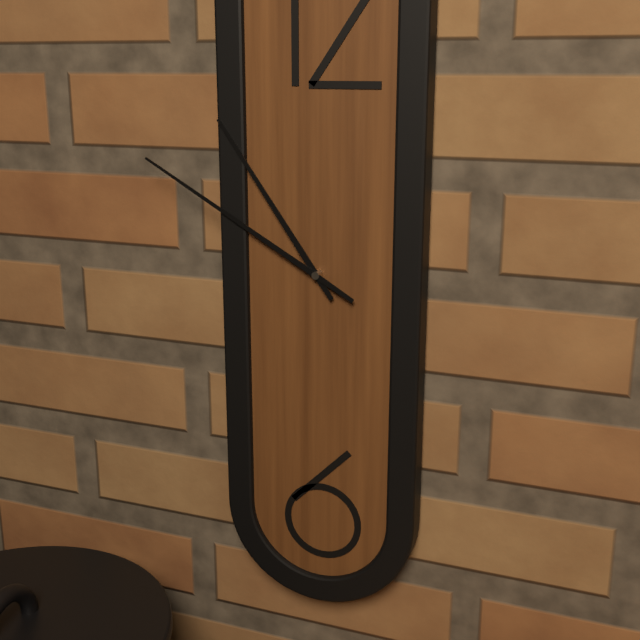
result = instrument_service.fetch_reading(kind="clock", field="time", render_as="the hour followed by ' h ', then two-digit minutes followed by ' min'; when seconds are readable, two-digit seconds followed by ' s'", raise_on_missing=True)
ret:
10 h 50 min
